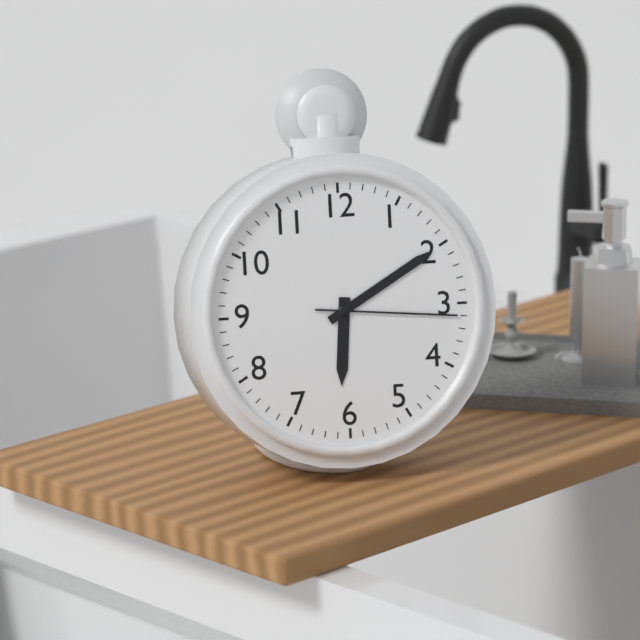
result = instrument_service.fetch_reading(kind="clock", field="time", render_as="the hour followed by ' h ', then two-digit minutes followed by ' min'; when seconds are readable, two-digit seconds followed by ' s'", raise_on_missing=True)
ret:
6 h 10 min 16 s
